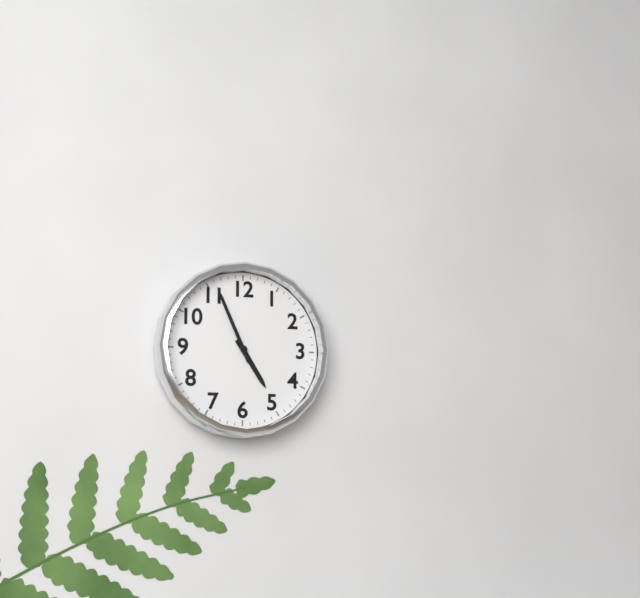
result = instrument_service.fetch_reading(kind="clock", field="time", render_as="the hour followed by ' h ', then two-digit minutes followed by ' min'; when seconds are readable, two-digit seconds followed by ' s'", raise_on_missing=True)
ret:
4 h 56 min
